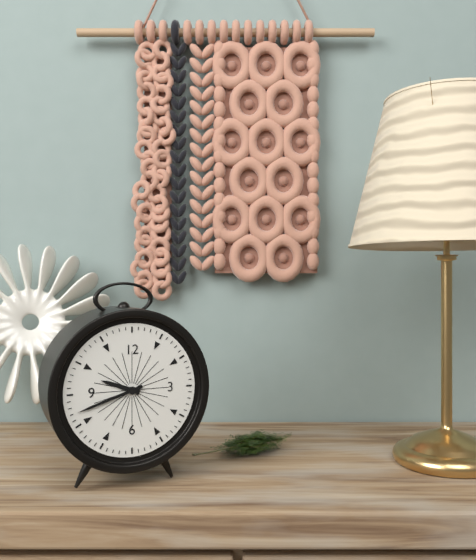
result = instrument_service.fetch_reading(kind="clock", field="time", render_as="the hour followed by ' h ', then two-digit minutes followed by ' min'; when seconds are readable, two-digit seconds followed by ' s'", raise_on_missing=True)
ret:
9 h 42 min
